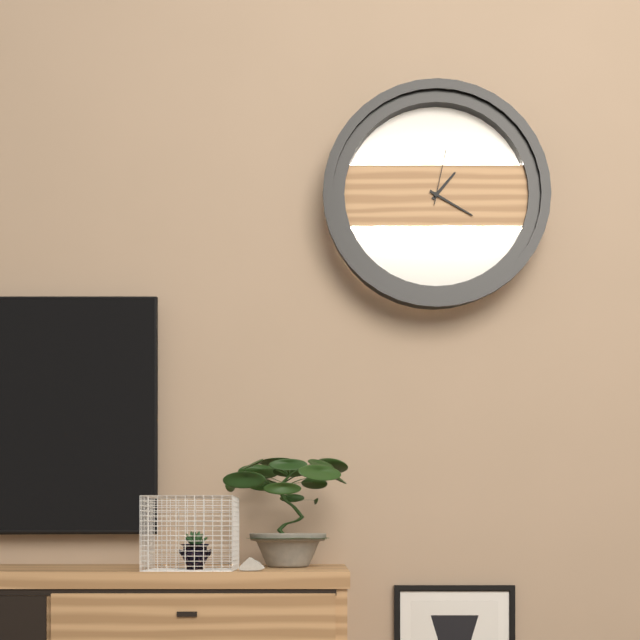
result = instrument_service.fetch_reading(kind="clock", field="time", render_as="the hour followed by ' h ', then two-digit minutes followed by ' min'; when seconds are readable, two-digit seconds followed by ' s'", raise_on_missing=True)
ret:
1 h 20 min 02 s
